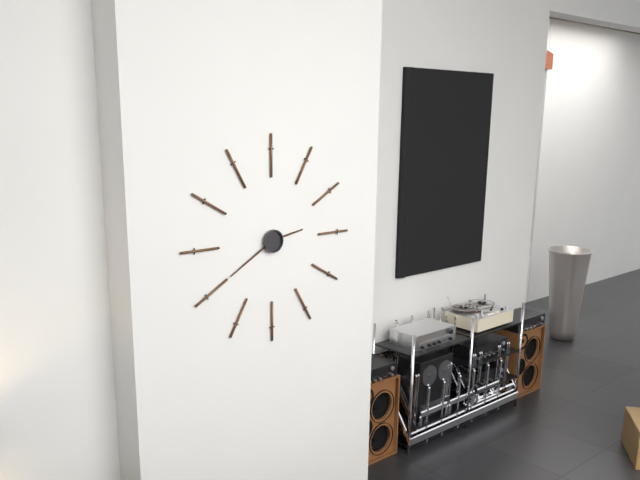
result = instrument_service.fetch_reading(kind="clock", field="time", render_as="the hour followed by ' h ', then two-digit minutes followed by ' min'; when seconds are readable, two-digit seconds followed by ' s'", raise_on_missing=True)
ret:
2 h 40 min
